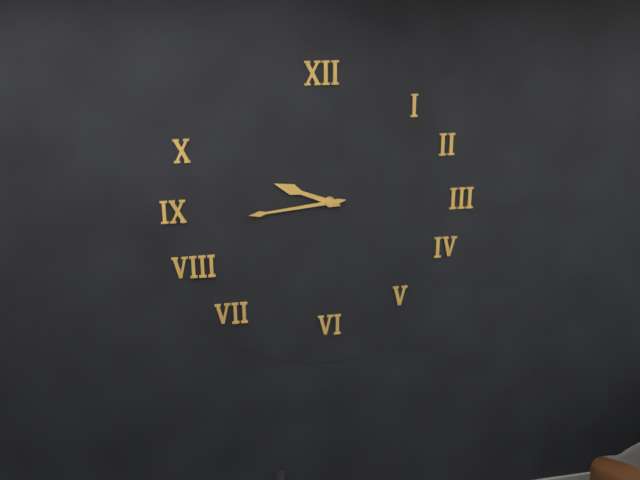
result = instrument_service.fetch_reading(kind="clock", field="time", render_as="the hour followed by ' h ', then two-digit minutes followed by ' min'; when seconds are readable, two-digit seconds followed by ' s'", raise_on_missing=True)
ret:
9 h 44 min
